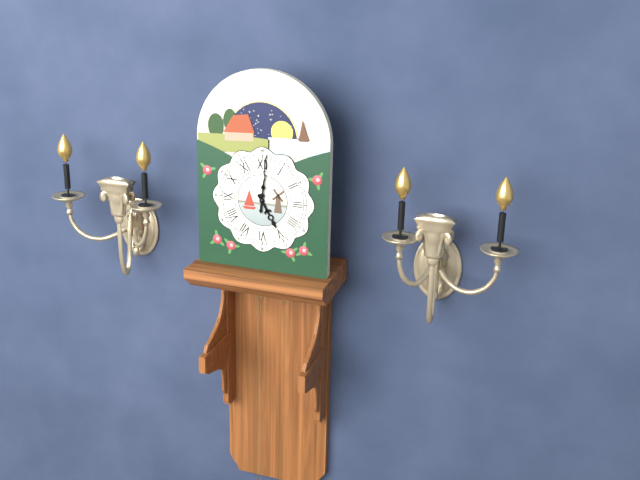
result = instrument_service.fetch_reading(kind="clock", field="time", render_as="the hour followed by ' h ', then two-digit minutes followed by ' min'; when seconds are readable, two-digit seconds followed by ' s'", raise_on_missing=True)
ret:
5 h 01 min
